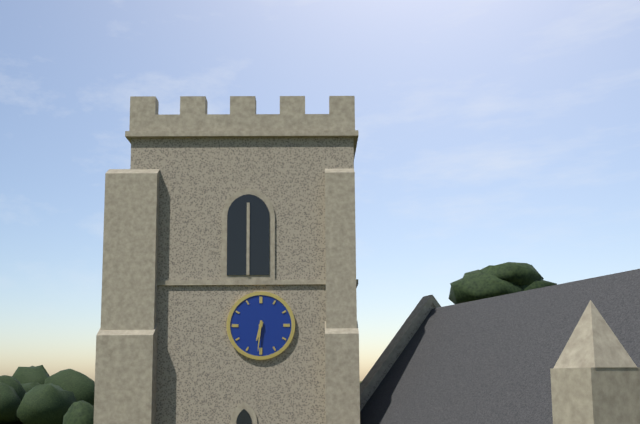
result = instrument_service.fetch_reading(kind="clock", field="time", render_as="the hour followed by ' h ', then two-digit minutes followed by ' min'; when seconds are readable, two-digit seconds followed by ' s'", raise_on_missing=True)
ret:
6 h 31 min
